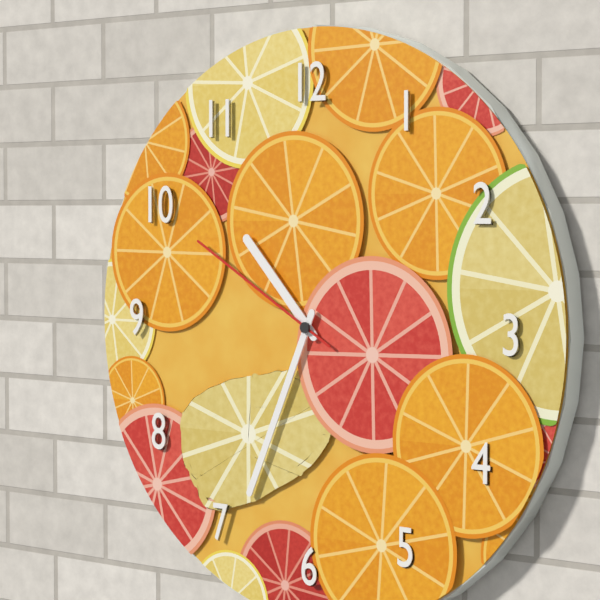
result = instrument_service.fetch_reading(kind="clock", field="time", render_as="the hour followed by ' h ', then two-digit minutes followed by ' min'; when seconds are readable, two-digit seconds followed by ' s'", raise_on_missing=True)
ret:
10 h 34 min 50 s
